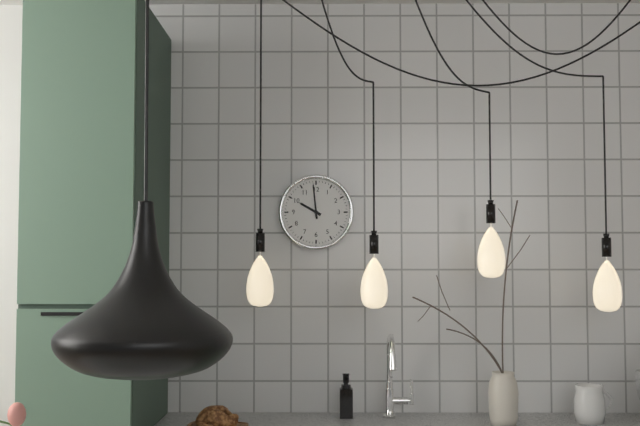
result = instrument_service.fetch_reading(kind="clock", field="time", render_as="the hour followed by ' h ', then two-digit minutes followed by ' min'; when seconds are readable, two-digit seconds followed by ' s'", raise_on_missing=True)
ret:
9 h 59 min
